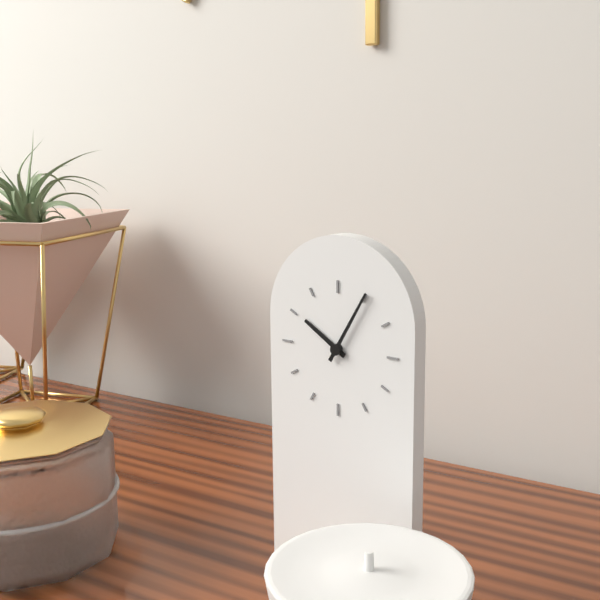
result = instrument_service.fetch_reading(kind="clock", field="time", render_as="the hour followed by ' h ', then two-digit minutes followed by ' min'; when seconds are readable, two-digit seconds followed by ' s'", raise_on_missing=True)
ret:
10 h 05 min
